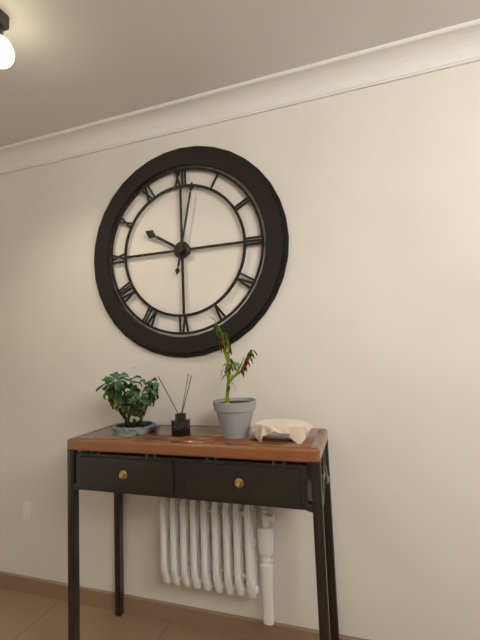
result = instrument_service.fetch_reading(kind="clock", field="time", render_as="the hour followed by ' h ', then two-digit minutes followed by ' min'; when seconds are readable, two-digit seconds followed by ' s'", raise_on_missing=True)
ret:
10 h 02 min
